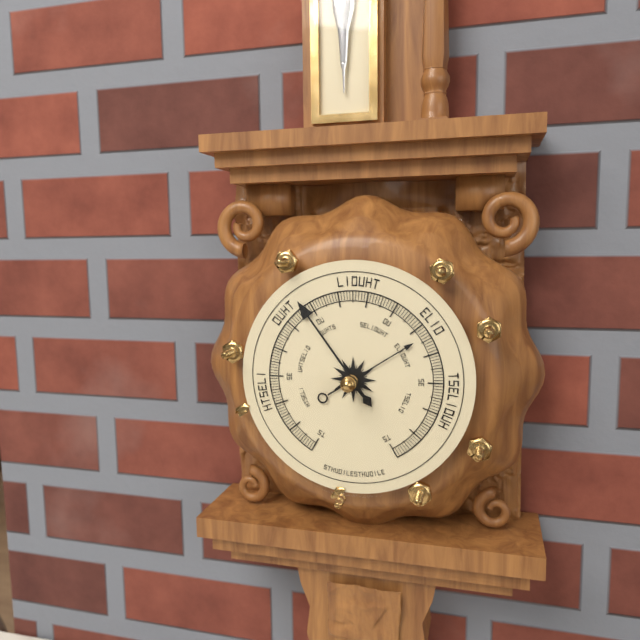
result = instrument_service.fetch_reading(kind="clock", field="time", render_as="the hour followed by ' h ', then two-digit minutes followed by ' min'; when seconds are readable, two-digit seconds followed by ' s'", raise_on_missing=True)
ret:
1 h 54 min
